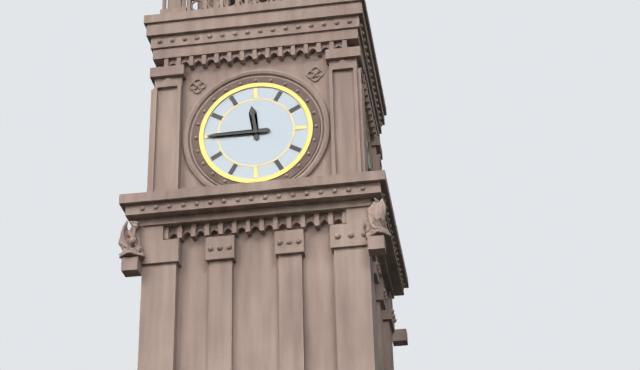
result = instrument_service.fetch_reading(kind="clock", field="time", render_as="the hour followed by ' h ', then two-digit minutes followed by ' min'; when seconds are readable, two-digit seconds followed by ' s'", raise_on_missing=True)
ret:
11 h 45 min
